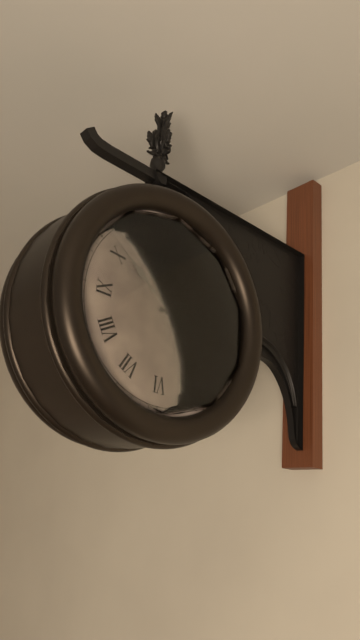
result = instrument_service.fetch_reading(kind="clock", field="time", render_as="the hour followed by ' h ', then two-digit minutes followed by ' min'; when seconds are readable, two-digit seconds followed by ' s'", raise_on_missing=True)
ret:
2 h 51 min 54 s
